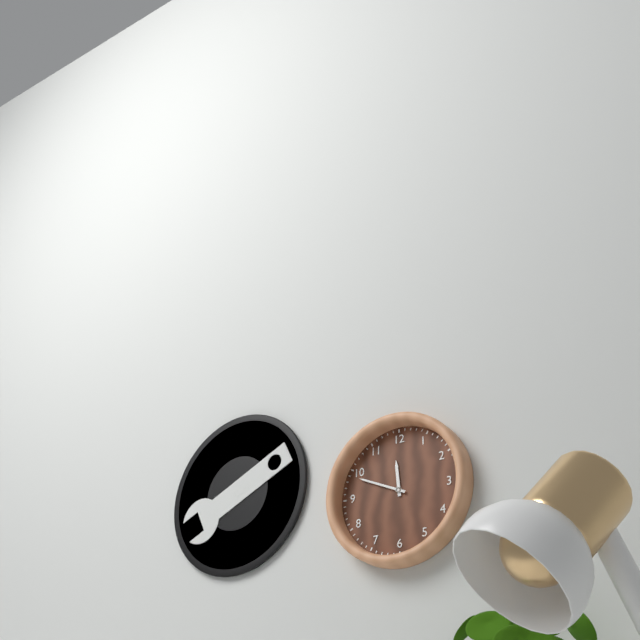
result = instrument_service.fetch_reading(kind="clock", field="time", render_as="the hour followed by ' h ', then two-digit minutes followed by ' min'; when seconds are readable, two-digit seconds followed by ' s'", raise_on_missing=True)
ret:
11 h 49 min
